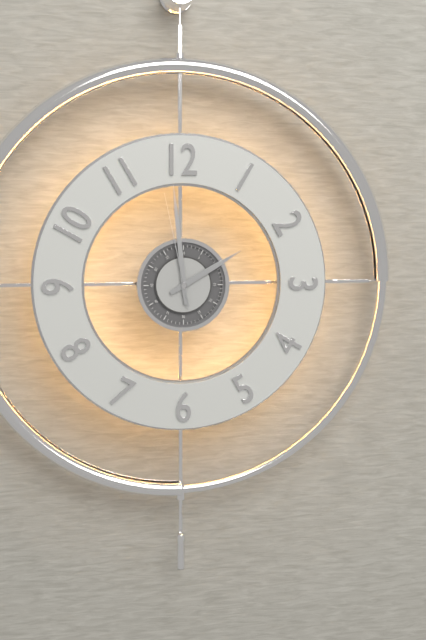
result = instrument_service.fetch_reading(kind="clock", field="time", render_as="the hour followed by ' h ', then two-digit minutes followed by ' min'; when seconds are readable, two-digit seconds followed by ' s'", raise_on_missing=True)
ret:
1 h 59 min 58 s
